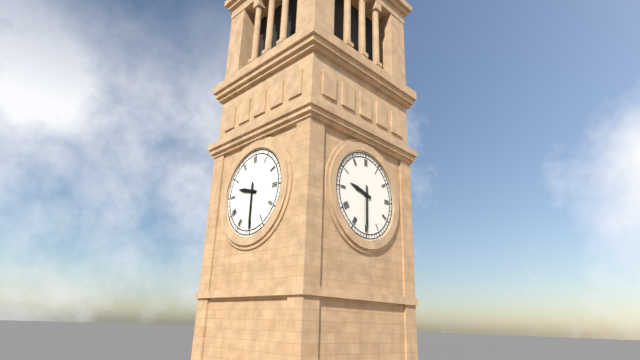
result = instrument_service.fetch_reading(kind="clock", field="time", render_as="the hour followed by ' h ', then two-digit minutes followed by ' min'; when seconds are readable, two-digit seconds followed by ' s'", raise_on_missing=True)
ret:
9 h 30 min
